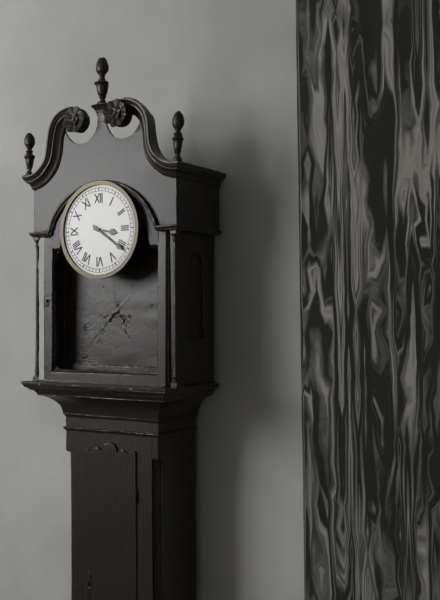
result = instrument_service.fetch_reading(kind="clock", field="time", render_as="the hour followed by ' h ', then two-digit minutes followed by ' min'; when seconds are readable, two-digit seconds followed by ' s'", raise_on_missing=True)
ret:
3 h 21 min
